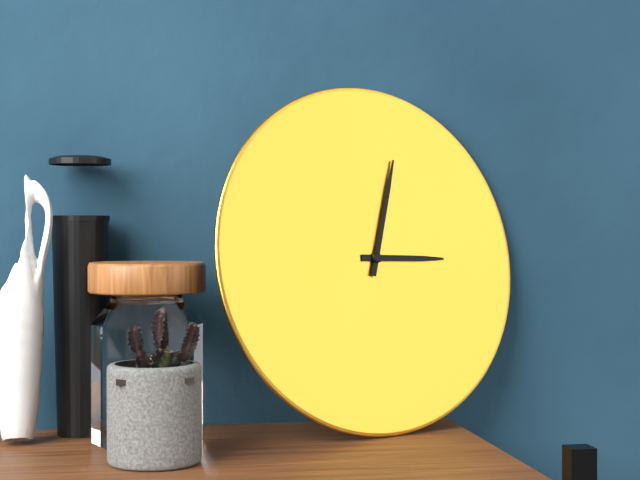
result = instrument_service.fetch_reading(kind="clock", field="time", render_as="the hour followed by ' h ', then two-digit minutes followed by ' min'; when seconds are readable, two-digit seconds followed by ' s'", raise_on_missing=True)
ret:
3 h 03 min
